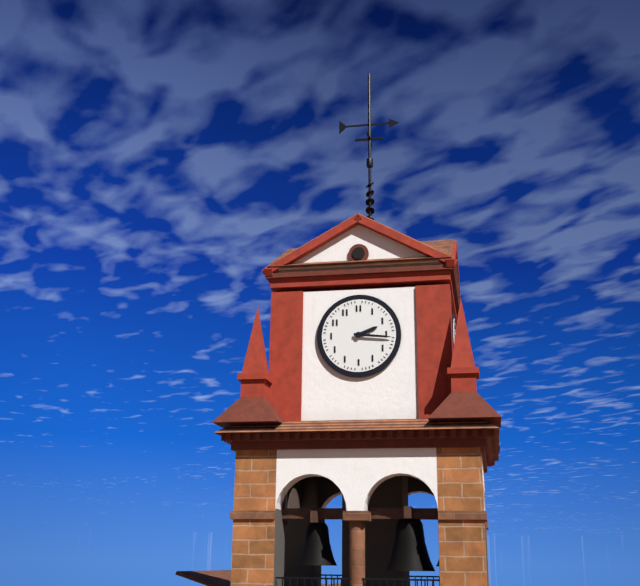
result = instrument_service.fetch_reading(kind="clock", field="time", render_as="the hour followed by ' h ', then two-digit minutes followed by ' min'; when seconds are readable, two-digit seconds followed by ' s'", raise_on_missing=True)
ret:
2 h 16 min
